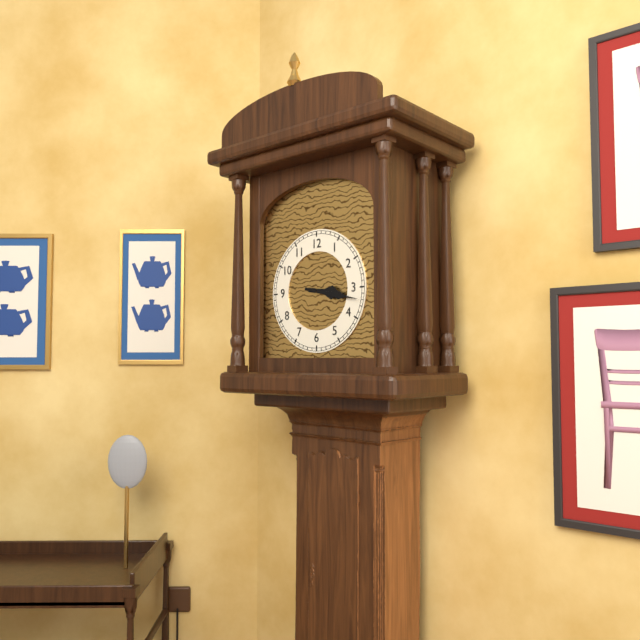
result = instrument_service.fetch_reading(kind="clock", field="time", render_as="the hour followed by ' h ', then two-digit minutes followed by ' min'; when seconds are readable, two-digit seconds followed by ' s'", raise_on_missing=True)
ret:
3 h 17 min
